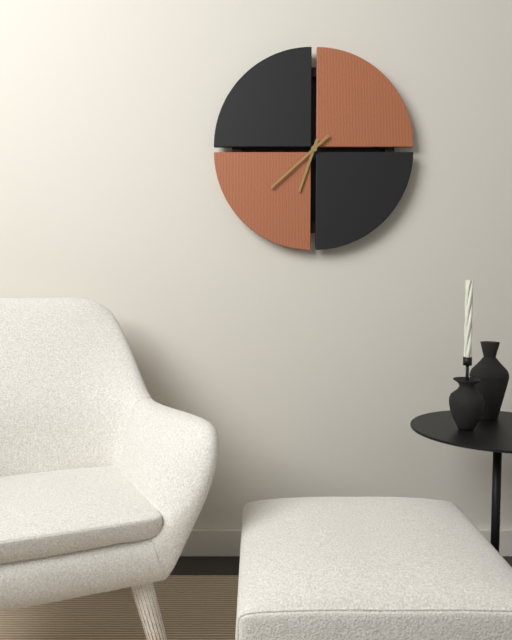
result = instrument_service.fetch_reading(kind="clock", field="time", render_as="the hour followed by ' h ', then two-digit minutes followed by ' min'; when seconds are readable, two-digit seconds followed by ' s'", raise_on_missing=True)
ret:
6 h 38 min
